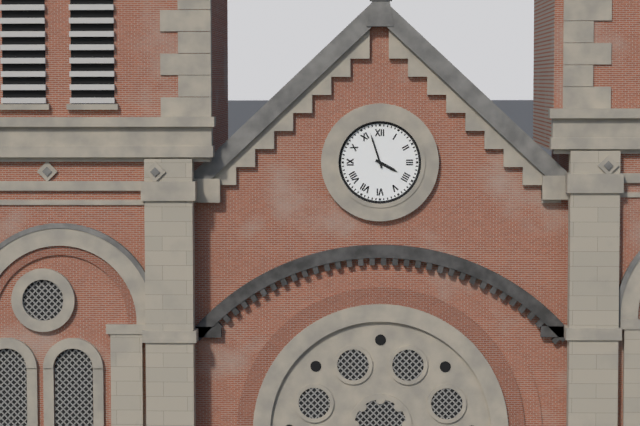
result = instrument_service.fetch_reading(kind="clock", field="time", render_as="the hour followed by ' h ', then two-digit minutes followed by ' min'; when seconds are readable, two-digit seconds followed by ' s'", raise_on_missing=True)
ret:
3 h 57 min
